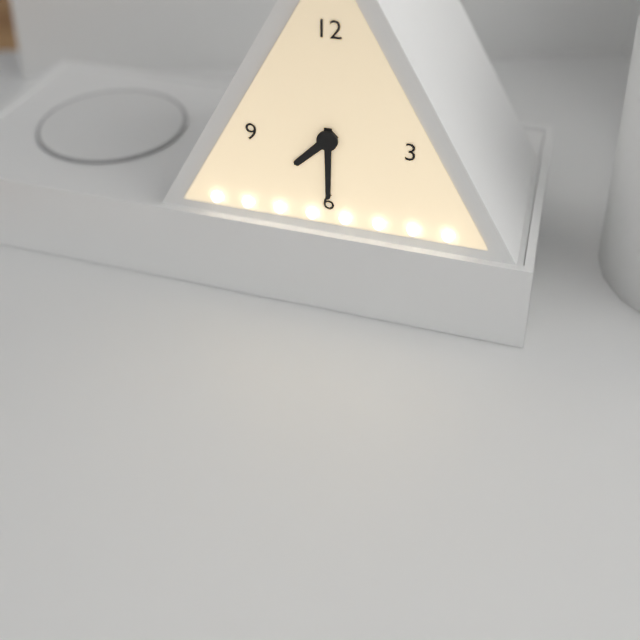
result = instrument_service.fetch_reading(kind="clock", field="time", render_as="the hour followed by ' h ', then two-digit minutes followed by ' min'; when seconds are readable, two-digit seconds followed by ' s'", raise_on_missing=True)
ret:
7 h 30 min
